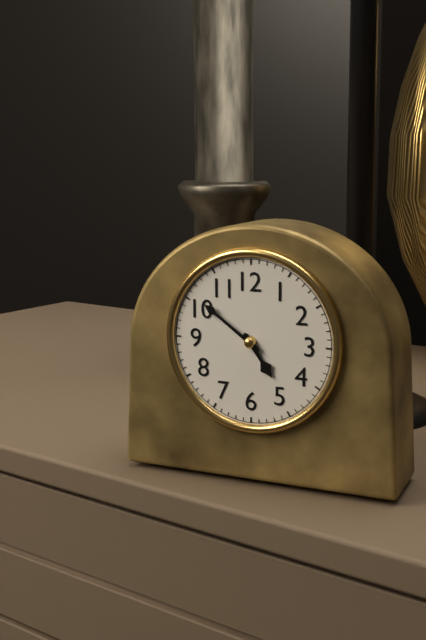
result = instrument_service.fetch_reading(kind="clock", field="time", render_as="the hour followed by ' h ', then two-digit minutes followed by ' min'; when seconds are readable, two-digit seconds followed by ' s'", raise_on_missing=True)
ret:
4 h 51 min
